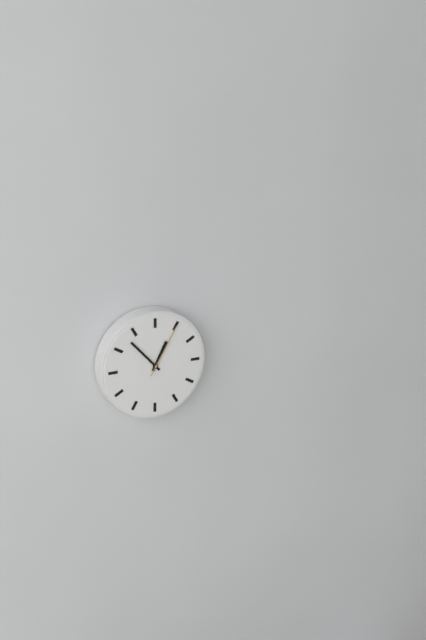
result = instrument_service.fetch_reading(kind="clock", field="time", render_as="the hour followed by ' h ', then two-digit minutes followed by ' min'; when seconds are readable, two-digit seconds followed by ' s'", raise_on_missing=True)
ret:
12 h 53 min 05 s
